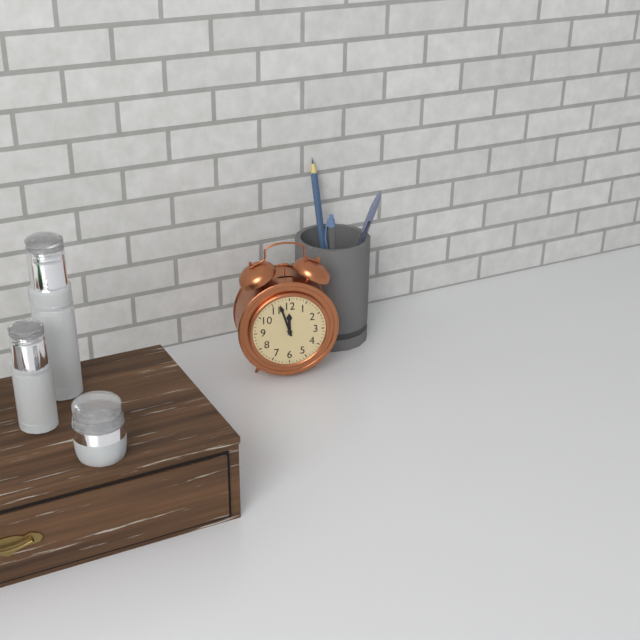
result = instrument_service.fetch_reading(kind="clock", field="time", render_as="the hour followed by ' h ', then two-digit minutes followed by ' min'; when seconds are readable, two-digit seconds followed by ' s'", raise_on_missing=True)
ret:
11 h 57 min
